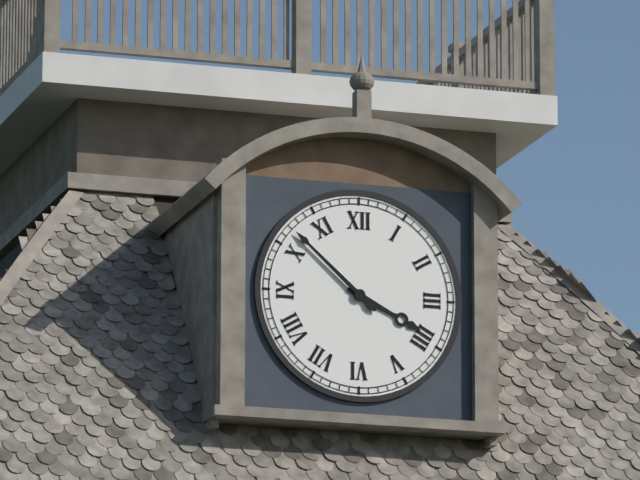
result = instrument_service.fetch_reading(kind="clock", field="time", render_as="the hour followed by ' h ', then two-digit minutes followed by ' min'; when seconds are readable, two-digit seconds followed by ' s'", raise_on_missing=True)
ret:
3 h 52 min
